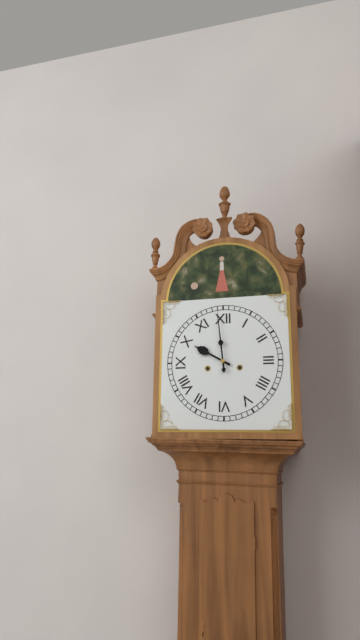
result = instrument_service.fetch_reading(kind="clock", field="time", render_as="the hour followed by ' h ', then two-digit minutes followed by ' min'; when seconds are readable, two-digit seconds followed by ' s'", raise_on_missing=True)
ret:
9 h 59 min
